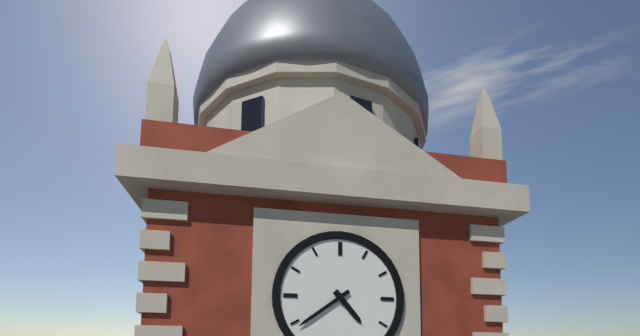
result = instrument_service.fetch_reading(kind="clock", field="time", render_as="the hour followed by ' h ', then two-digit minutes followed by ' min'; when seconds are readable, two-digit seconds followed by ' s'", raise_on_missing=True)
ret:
4 h 39 min
